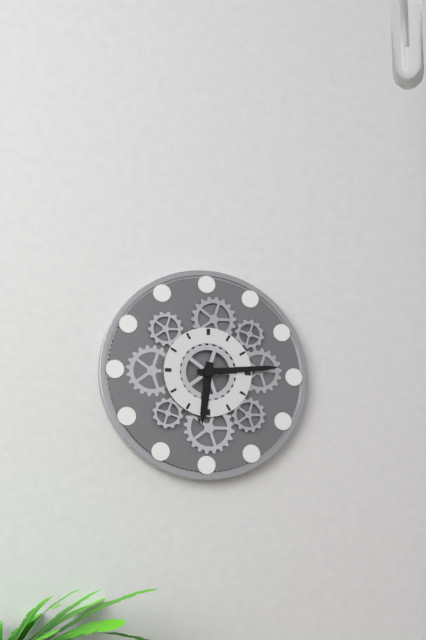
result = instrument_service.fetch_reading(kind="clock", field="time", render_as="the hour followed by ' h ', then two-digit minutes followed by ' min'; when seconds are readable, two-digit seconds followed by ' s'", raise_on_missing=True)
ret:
6 h 14 min
